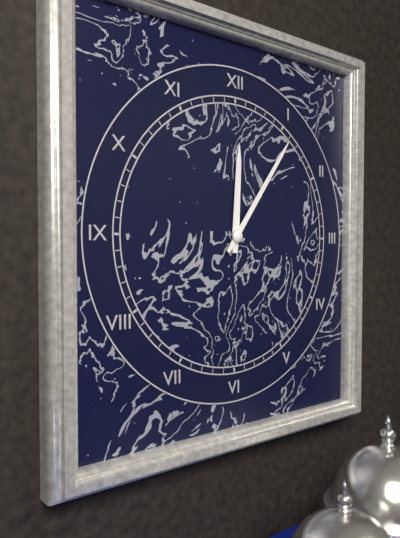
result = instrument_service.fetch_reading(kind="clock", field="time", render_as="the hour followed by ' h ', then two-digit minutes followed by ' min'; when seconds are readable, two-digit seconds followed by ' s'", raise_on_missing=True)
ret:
12 h 06 min
